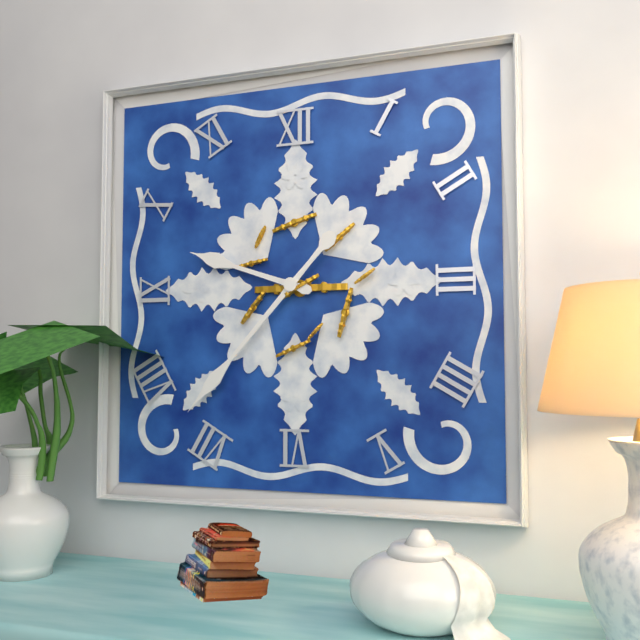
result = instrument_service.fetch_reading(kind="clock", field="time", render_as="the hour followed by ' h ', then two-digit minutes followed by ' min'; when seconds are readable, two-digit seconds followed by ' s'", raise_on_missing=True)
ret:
9 h 37 min
